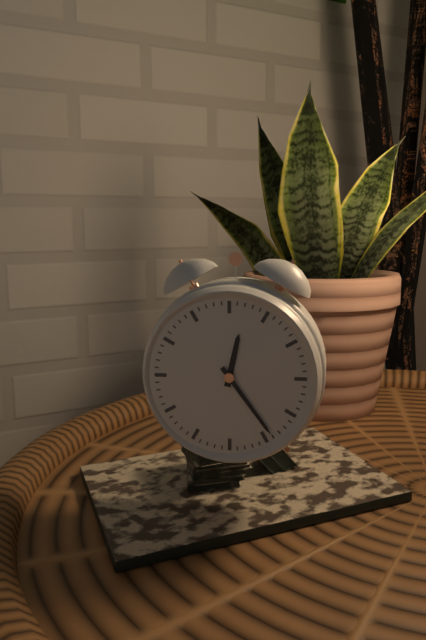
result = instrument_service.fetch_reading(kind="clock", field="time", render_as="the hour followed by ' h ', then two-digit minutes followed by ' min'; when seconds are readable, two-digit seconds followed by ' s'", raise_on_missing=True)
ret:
12 h 24 min
